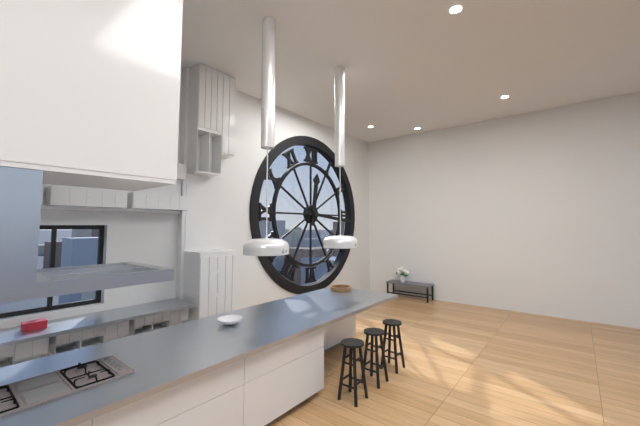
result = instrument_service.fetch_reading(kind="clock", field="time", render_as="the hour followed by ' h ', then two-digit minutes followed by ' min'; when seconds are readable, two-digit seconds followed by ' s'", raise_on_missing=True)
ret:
12 h 16 min
